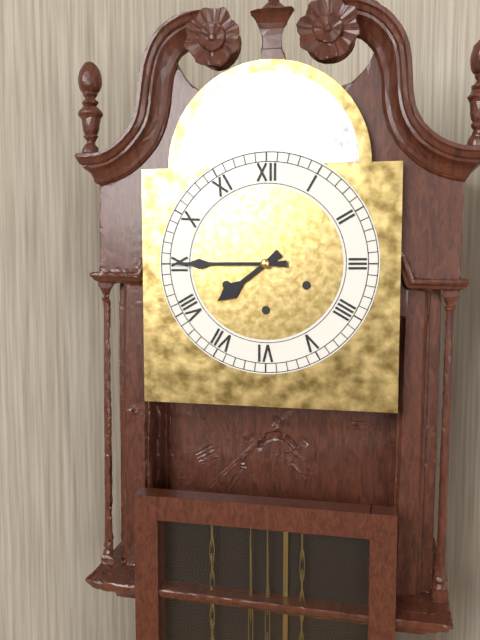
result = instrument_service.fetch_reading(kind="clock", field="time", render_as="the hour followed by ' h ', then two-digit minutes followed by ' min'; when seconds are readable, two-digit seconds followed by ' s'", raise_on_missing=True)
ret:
7 h 45 min
